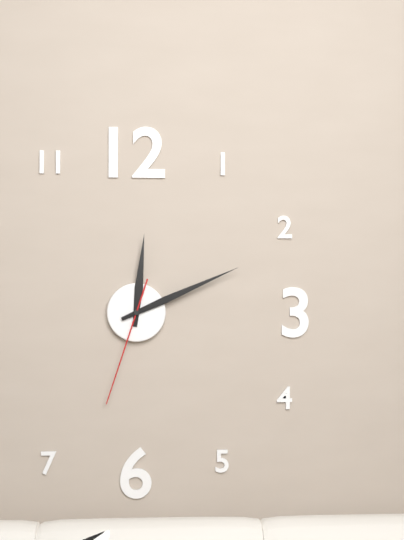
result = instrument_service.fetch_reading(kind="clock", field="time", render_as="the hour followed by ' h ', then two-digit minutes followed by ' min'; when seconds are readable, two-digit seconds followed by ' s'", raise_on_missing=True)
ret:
12 h 11 min 33 s
